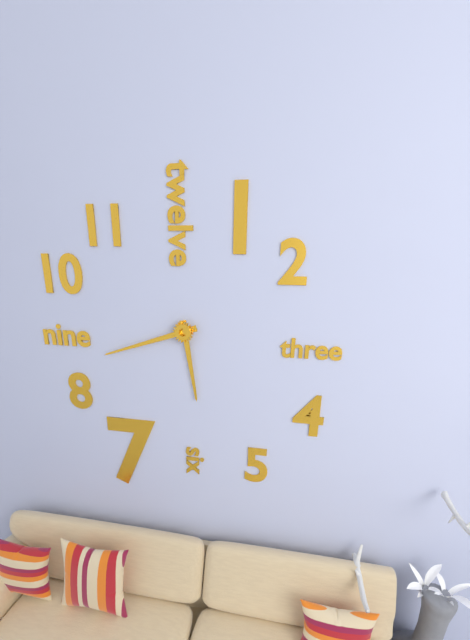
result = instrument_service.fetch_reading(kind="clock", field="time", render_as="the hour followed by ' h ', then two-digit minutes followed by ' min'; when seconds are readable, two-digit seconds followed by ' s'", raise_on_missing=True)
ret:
5 h 42 min
